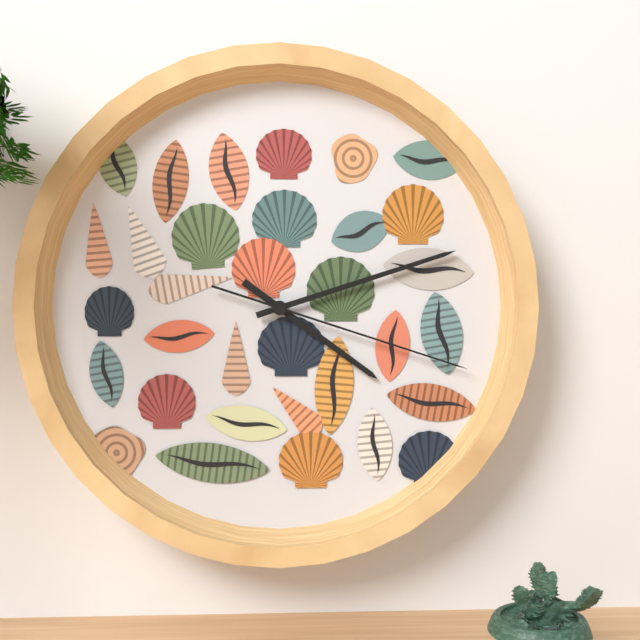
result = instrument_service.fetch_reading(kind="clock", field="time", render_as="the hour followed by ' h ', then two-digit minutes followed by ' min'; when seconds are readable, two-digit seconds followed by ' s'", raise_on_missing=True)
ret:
4 h 12 min 18 s
